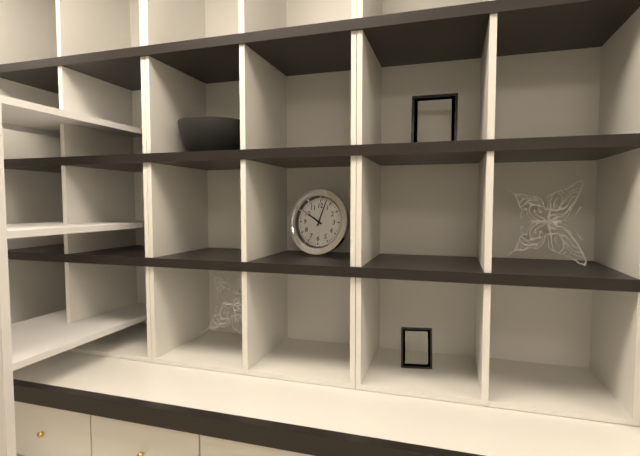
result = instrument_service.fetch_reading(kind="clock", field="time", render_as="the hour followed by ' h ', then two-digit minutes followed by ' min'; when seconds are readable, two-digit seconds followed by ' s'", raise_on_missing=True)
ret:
10 h 03 min
